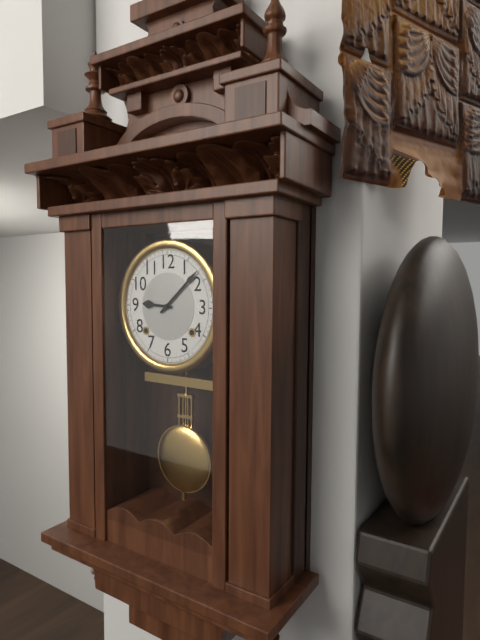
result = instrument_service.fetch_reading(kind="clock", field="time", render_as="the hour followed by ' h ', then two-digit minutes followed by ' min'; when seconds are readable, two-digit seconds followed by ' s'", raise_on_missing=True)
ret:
9 h 08 min
